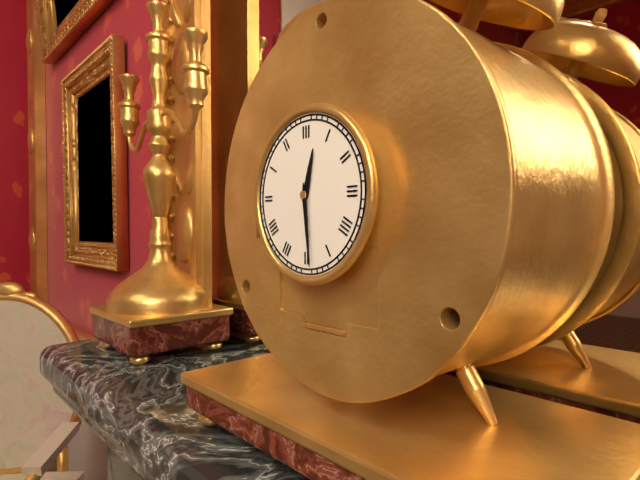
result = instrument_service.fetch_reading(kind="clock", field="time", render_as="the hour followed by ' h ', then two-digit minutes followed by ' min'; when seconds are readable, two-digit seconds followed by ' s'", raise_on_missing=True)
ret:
12 h 29 min
